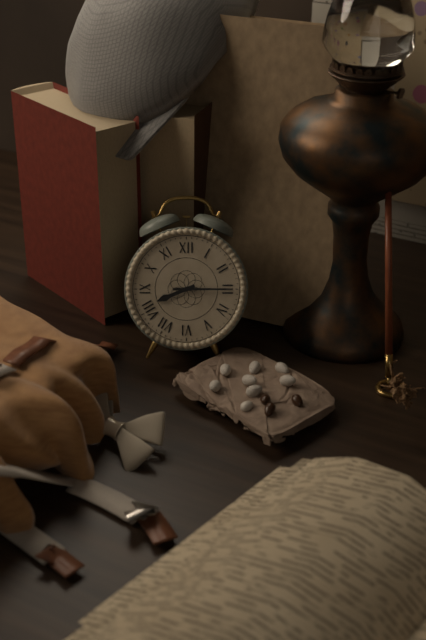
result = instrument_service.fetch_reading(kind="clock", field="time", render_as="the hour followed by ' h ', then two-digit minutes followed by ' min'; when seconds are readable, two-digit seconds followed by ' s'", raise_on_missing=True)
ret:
8 h 15 min
